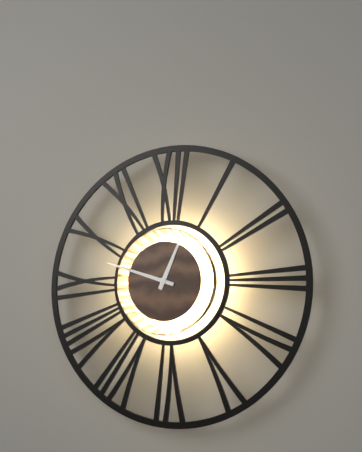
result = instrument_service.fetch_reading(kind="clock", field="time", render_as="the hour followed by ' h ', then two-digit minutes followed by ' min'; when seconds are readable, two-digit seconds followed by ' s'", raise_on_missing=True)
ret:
12 h 48 min
